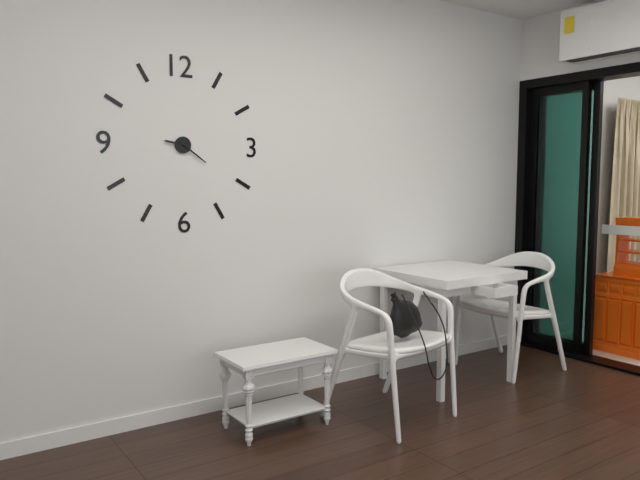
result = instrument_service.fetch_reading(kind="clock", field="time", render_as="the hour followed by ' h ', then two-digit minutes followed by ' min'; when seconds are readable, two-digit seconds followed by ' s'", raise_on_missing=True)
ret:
9 h 21 min
